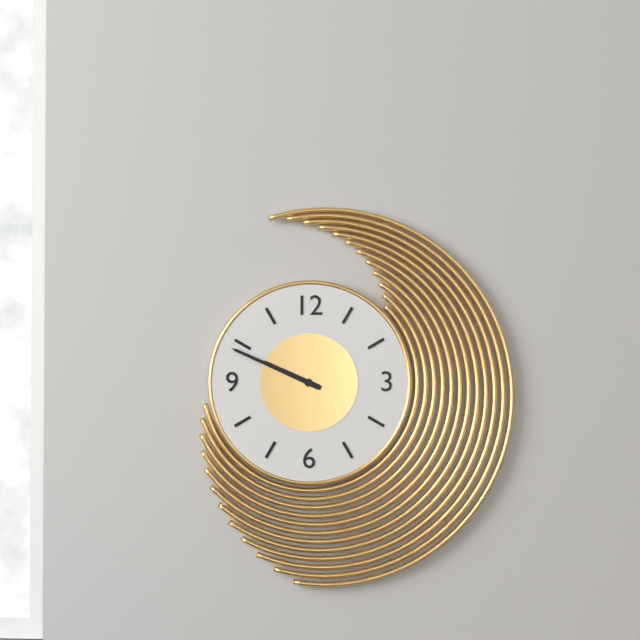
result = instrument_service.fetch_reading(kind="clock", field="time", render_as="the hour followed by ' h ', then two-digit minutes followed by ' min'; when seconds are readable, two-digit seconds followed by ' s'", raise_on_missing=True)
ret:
9 h 49 min
